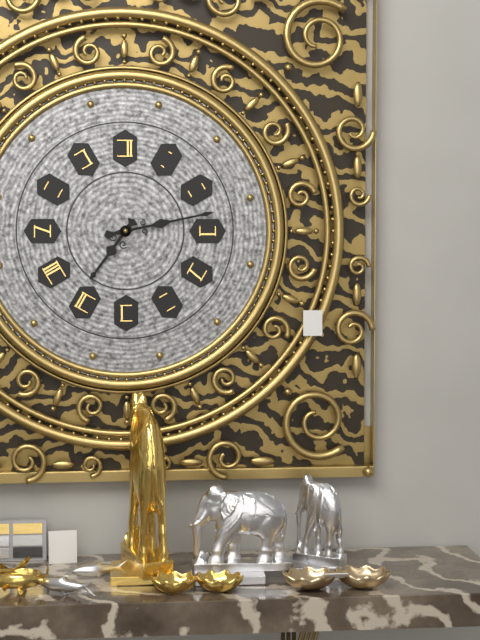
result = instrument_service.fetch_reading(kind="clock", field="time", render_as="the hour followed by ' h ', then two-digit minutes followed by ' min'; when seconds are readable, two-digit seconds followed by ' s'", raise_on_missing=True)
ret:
7 h 13 min
